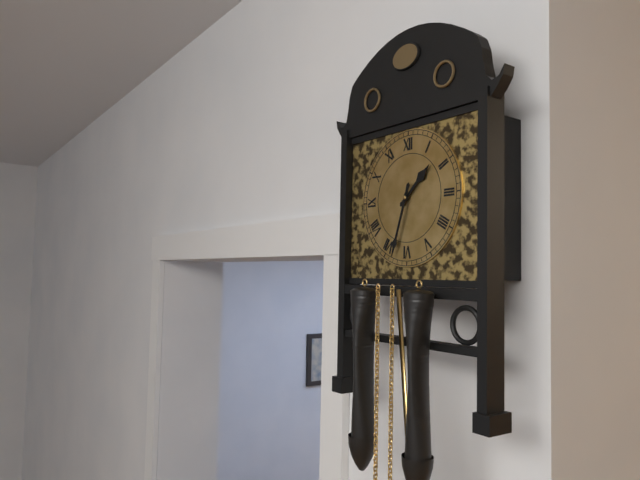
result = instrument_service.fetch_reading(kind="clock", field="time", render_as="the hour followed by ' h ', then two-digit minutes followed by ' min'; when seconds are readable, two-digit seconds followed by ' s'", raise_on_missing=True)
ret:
1 h 33 min
